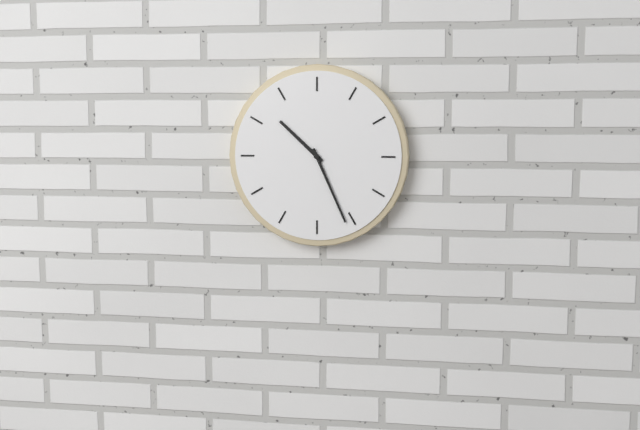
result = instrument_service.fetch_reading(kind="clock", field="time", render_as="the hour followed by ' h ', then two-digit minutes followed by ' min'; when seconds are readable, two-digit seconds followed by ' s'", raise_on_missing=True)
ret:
10 h 26 min
